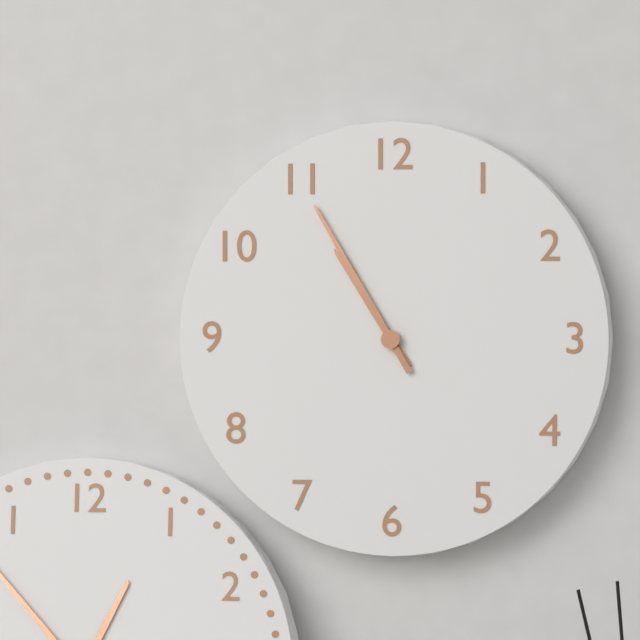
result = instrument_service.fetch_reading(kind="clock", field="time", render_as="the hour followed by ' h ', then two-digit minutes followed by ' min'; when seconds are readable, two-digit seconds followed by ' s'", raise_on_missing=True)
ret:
10 h 55 min
